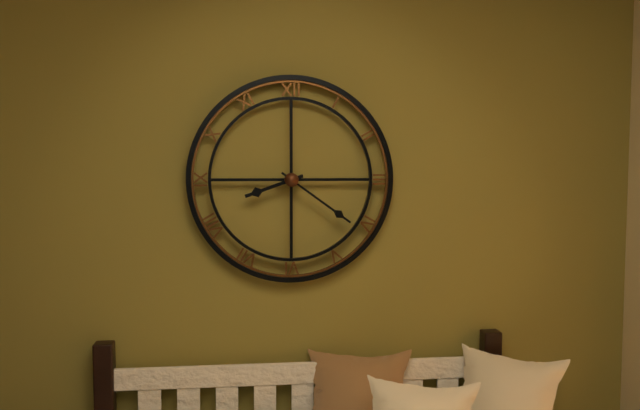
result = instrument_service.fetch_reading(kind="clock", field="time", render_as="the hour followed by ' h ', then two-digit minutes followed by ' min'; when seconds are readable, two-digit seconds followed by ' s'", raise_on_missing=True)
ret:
8 h 21 min
